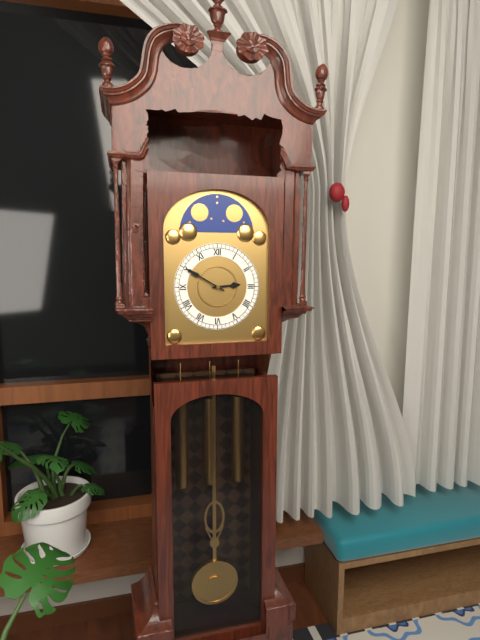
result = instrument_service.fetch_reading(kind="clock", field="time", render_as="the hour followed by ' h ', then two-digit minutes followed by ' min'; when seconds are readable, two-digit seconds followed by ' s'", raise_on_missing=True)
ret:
2 h 50 min
